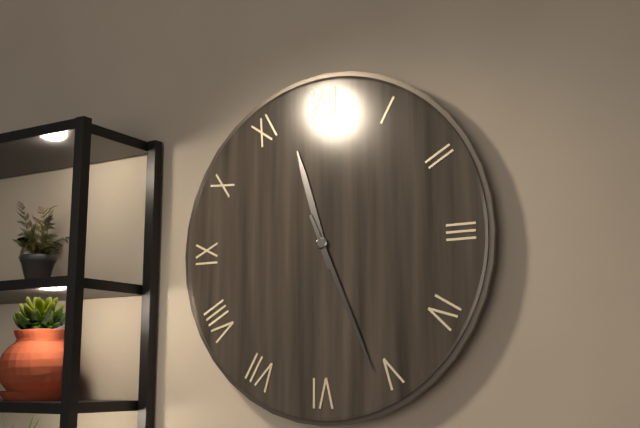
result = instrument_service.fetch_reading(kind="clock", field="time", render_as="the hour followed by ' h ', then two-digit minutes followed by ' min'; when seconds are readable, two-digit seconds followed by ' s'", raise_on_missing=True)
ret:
11 h 26 min
